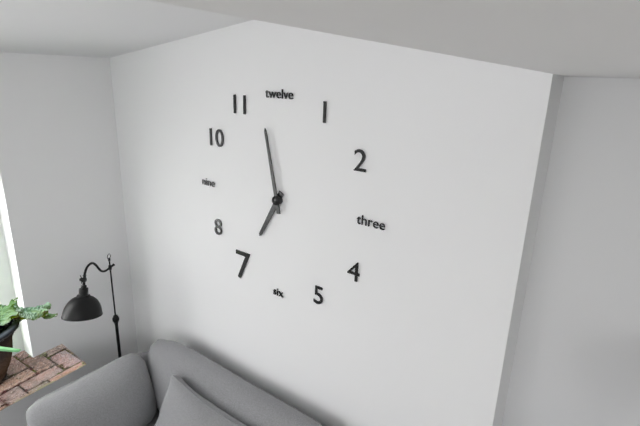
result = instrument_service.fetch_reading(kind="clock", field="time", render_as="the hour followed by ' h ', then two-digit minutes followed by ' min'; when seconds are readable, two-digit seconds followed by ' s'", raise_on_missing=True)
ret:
6 h 58 min
